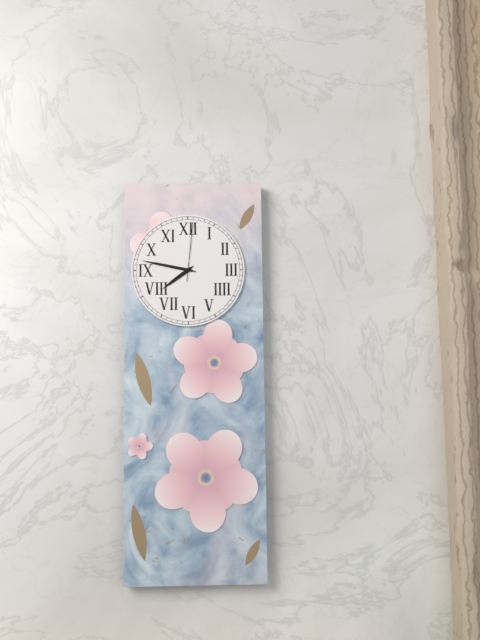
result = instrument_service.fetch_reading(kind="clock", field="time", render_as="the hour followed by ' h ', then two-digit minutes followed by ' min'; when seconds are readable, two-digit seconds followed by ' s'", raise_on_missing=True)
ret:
7 h 47 min 01 s
